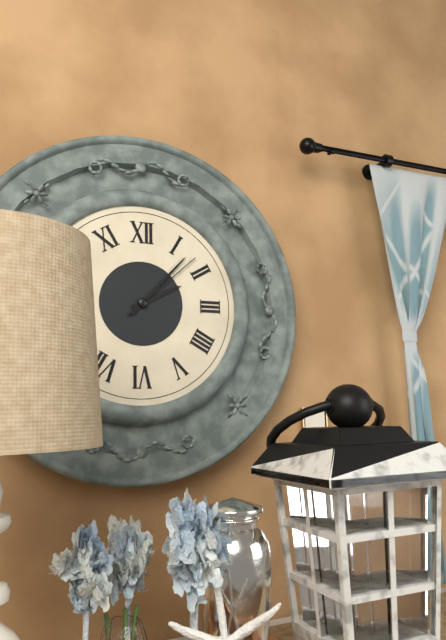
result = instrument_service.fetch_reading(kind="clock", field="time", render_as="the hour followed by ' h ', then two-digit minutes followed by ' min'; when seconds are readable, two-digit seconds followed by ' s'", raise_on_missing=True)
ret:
2 h 07 min 08 s
